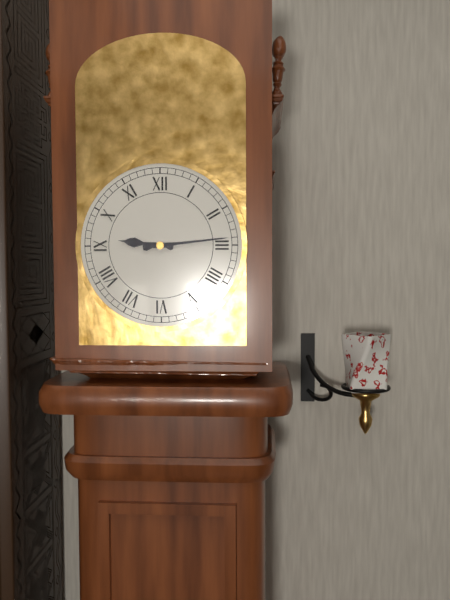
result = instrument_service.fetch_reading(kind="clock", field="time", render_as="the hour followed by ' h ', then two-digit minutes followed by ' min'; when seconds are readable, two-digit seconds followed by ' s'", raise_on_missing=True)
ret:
9 h 14 min
